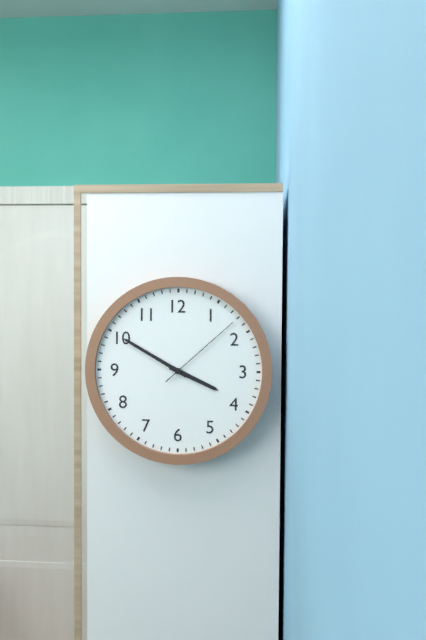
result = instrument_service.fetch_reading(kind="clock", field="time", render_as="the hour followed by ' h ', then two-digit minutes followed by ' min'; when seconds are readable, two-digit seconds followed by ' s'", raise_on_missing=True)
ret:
3 h 50 min 08 s
